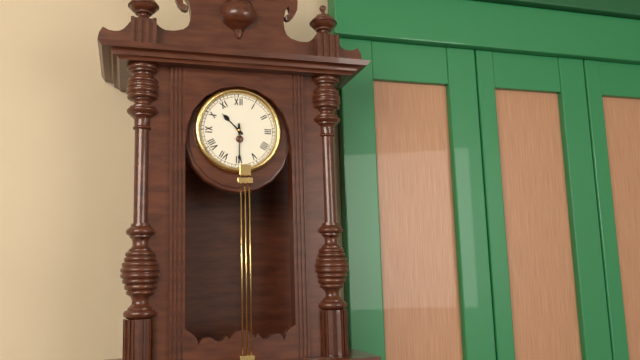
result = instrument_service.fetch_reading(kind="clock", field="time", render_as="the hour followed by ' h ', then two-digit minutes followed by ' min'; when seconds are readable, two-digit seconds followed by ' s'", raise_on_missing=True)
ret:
10 h 30 min
